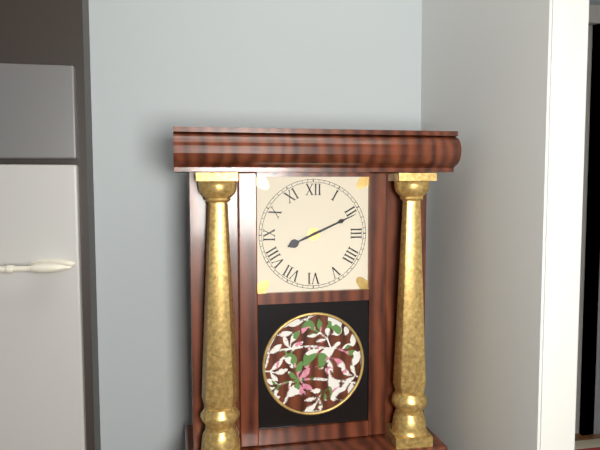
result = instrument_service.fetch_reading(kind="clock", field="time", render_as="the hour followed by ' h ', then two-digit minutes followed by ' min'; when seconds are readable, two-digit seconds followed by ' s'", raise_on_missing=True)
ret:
8 h 11 min
